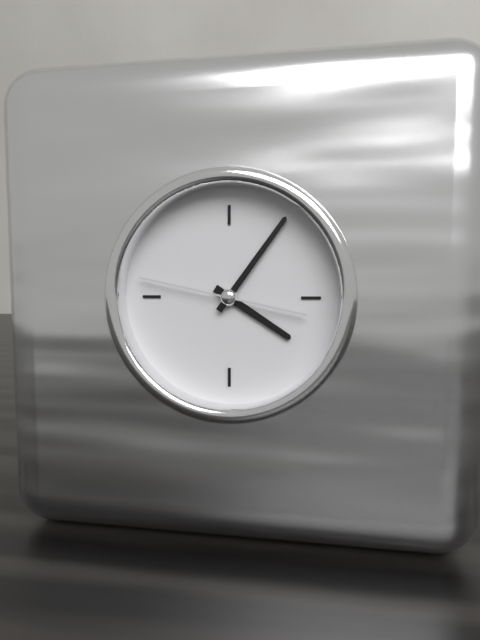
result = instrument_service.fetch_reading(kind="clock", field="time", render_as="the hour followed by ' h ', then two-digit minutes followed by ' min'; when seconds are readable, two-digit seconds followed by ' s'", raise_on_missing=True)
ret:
4 h 06 min 47 s
